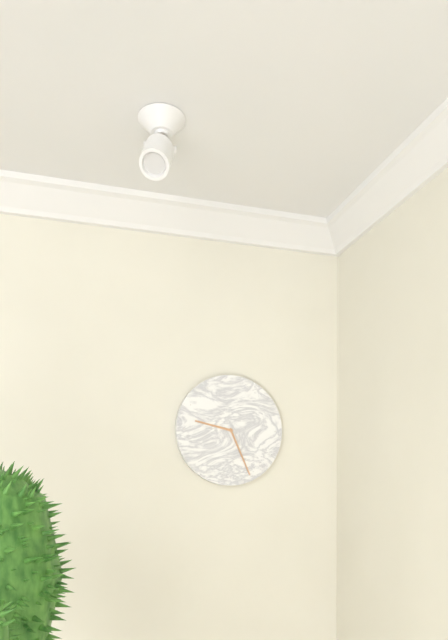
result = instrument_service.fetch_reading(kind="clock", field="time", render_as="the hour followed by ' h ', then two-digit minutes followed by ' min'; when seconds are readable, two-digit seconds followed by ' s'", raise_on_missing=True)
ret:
9 h 26 min
